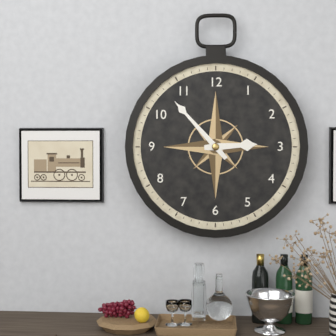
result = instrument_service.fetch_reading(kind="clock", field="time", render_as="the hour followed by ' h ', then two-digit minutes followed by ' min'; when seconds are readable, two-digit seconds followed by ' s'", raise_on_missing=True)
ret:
2 h 53 min
